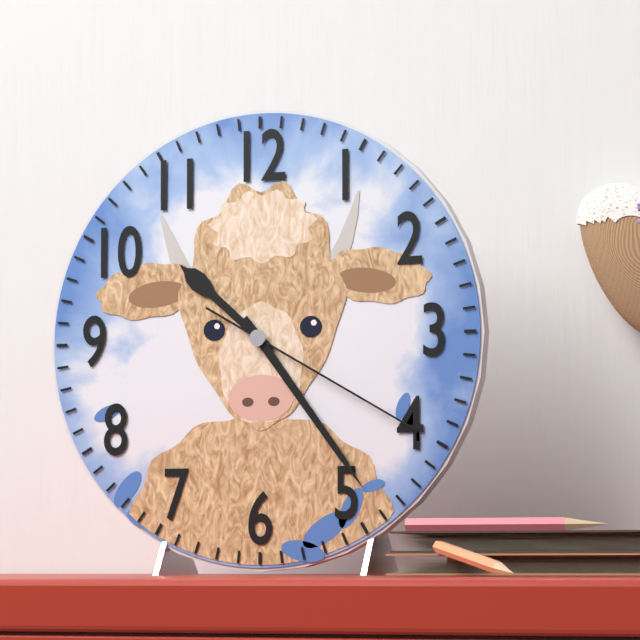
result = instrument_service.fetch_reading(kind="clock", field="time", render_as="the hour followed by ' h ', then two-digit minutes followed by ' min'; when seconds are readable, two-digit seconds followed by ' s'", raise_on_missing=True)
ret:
10 h 24 min 20 s
